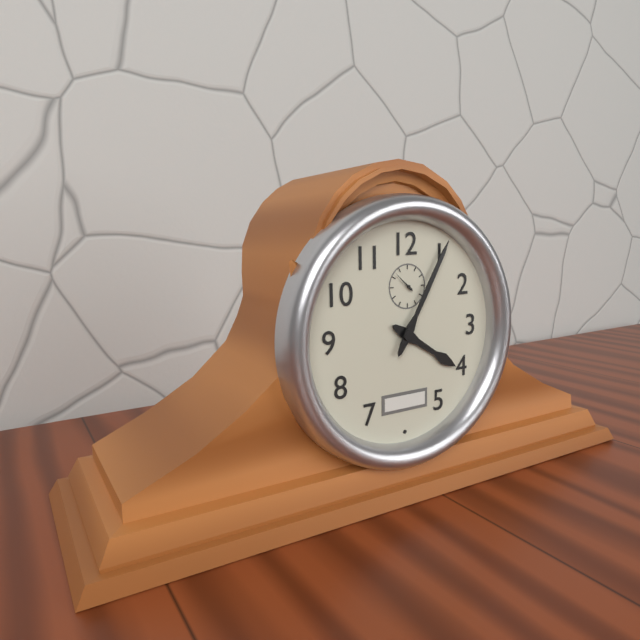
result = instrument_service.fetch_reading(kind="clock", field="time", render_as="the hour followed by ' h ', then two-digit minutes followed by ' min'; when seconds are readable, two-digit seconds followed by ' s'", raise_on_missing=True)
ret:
4 h 05 min
